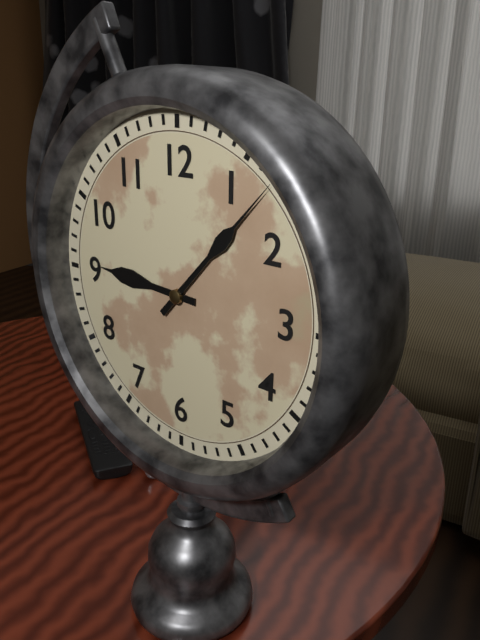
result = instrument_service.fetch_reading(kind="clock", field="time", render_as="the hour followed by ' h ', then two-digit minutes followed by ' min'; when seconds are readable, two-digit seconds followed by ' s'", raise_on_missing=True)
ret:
9 h 07 min
